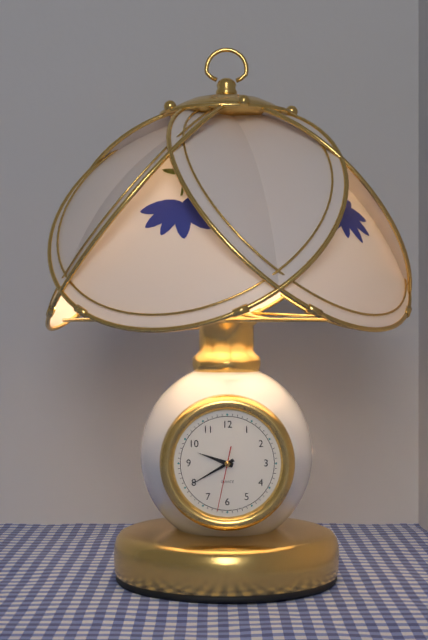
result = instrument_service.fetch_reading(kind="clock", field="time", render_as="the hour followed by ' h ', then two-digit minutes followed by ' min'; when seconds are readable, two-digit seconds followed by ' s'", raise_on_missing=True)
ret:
9 h 40 min 32 s
